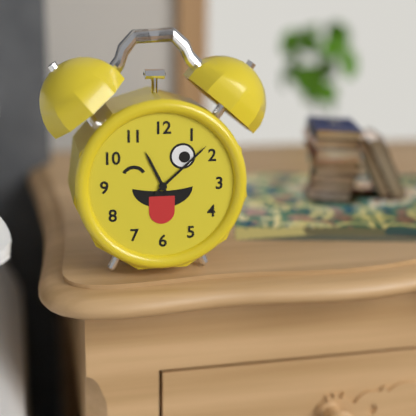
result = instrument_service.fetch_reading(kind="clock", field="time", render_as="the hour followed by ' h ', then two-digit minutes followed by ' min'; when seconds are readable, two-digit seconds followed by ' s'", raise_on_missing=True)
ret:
11 h 08 min
